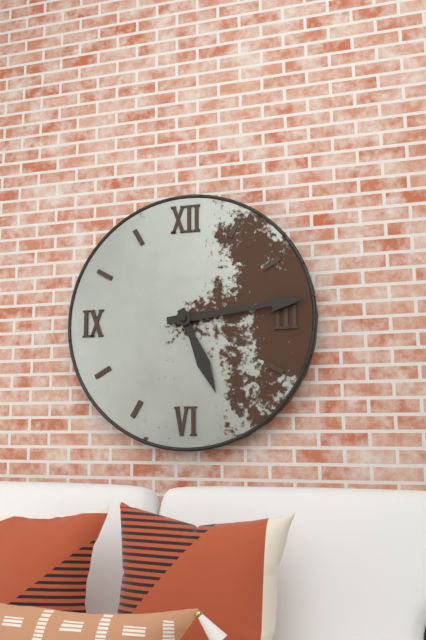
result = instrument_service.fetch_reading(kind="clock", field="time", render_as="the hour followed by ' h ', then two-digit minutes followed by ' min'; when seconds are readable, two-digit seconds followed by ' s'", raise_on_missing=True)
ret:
5 h 14 min
